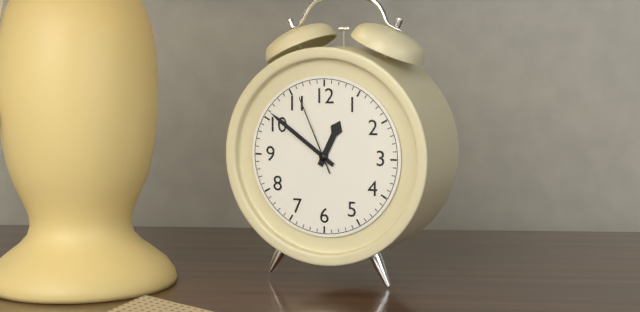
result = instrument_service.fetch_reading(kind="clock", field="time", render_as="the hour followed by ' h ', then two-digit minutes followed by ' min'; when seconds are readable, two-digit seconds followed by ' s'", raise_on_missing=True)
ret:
12 h 51 min 56 s
